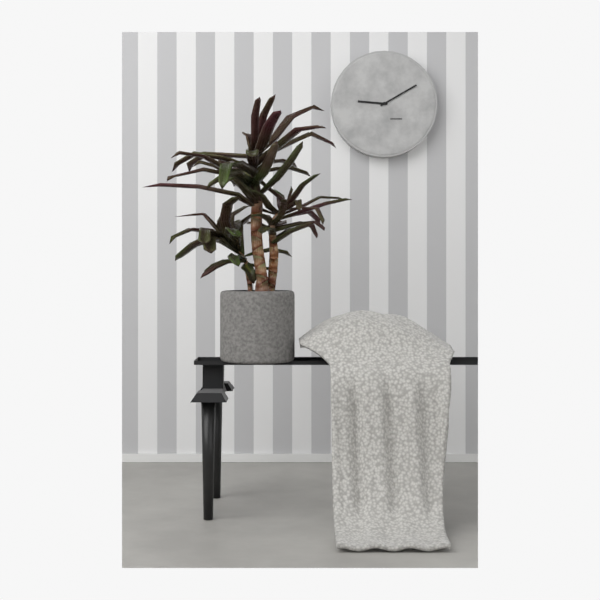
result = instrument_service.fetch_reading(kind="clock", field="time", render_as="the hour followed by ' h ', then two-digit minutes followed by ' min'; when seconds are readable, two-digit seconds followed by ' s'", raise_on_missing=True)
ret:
9 h 10 min
